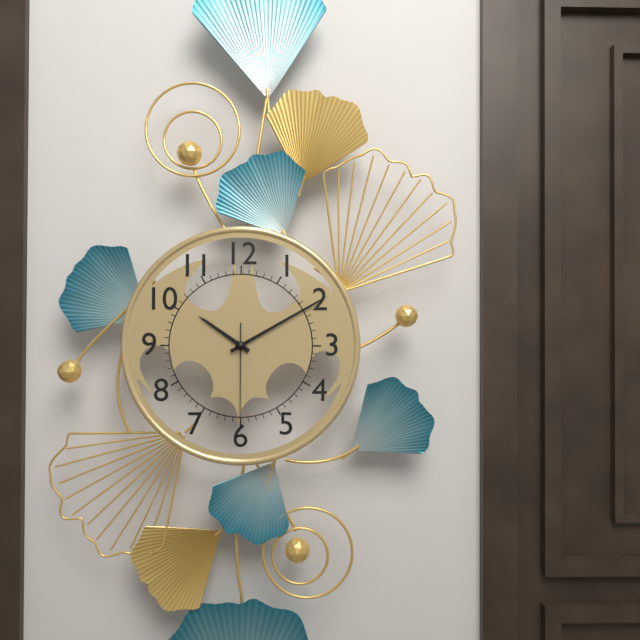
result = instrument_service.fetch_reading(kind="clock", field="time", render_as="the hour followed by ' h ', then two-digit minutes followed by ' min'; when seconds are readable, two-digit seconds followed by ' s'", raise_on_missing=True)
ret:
10 h 10 min 30 s
